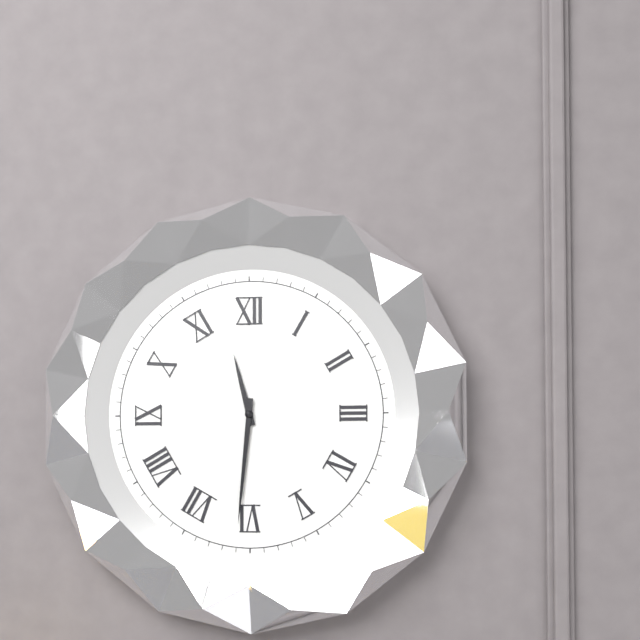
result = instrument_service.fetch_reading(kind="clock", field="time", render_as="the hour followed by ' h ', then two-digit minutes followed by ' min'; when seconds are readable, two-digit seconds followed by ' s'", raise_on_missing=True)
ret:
11 h 31 min
